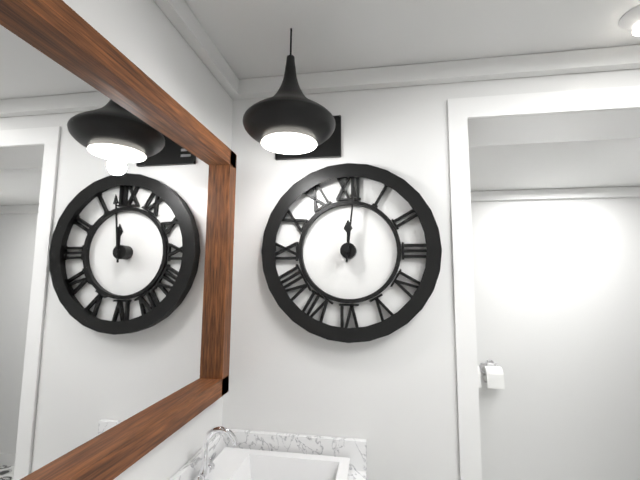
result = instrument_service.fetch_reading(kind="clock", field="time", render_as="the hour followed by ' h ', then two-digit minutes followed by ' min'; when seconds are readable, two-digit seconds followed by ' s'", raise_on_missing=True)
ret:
12 h 01 min
